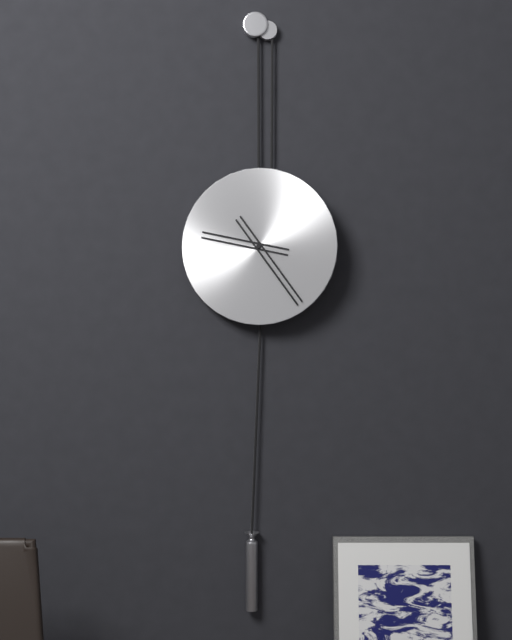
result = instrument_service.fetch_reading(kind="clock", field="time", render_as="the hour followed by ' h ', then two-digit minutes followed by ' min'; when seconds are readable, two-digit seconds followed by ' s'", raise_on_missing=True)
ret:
9 h 24 min
